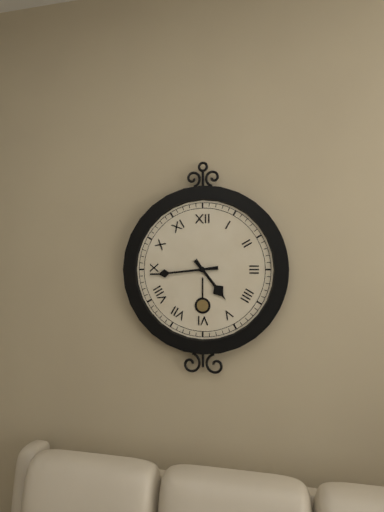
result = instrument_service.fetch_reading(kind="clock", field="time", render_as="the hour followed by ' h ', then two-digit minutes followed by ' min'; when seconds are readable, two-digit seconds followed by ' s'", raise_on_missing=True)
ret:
4 h 44 min
